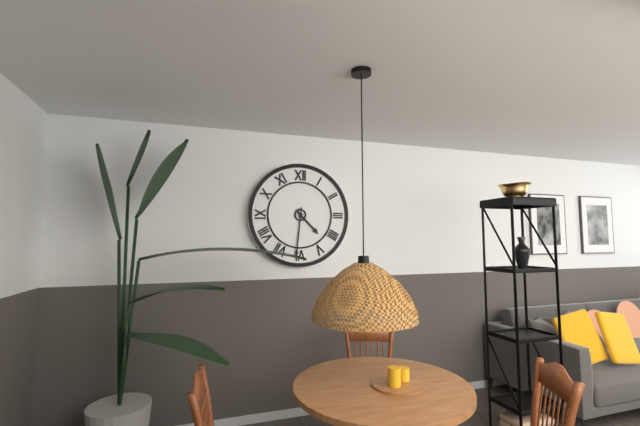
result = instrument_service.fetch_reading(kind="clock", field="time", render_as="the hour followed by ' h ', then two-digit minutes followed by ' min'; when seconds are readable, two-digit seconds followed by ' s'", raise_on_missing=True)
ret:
4 h 31 min
